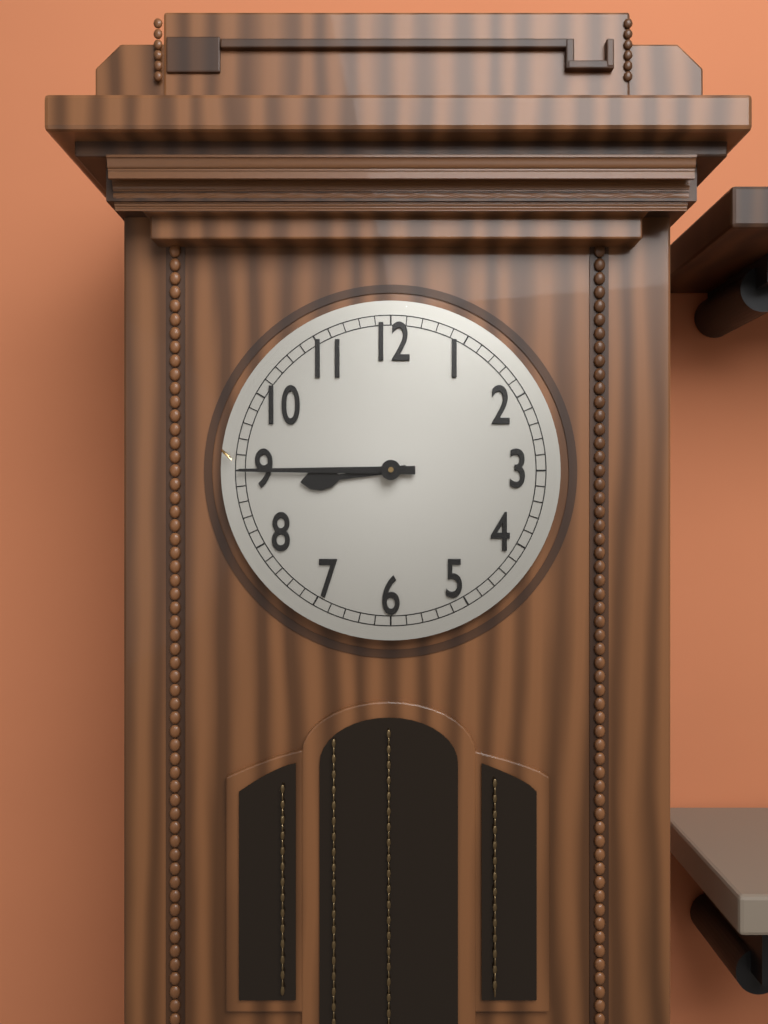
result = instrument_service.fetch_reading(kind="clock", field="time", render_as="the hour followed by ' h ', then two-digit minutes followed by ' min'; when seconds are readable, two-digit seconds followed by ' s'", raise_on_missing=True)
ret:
8 h 45 min
